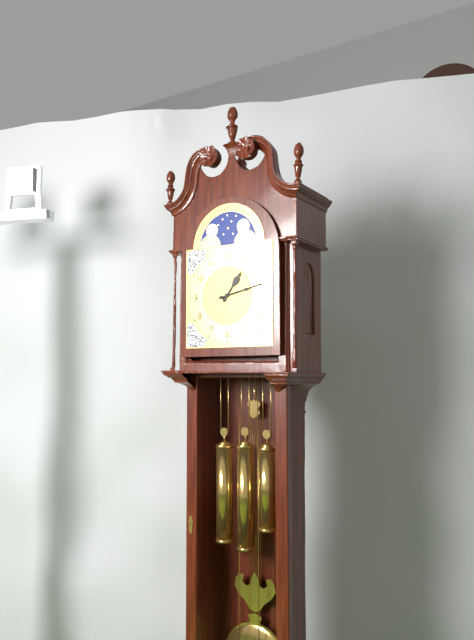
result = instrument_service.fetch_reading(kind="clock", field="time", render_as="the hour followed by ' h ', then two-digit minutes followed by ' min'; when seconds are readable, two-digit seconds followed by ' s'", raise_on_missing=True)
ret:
1 h 13 min
